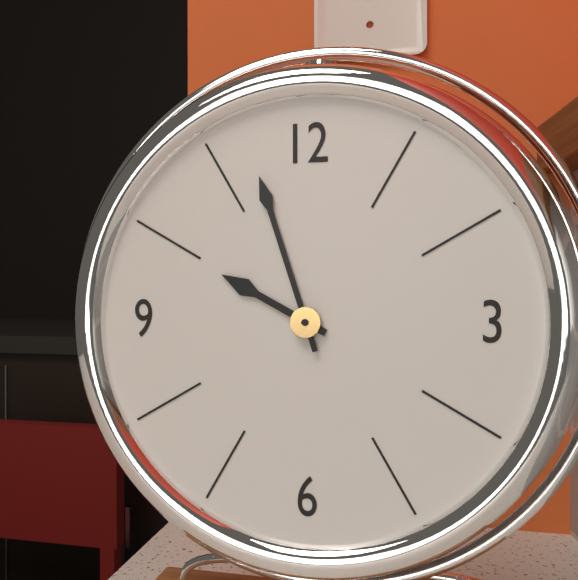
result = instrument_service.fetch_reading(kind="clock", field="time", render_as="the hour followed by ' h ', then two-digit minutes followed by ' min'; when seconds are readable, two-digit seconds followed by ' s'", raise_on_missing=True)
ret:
9 h 57 min
